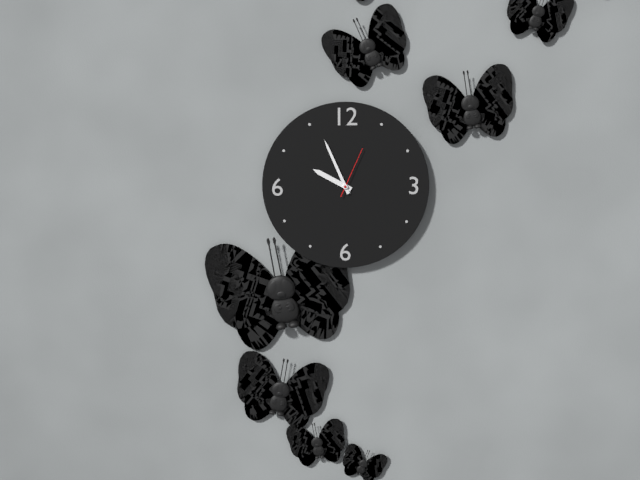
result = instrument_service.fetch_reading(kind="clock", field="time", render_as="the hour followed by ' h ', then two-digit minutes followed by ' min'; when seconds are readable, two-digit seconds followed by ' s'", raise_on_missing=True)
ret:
9 h 56 min 04 s
